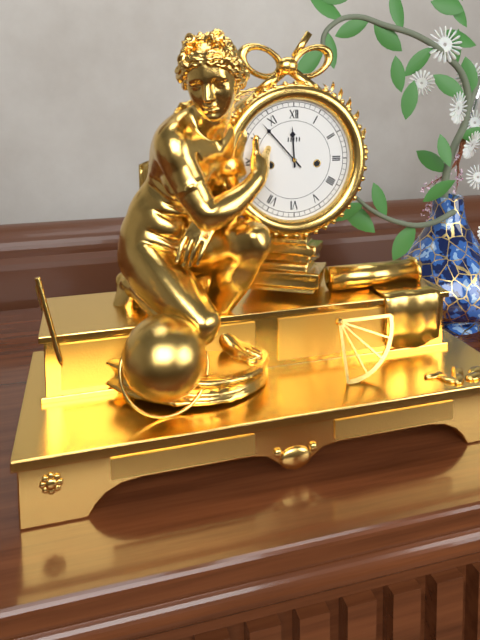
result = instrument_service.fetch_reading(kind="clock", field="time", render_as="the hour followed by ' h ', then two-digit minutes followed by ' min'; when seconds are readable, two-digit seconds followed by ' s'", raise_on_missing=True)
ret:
11 h 53 min
